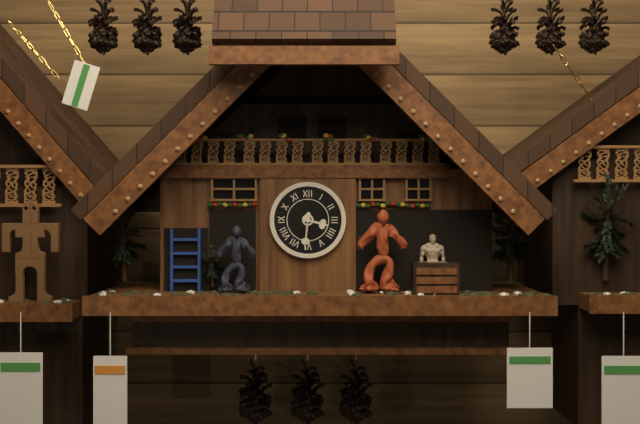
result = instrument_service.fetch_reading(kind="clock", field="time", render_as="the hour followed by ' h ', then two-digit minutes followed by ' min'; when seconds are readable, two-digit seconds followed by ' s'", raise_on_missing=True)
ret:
3 h 31 min
